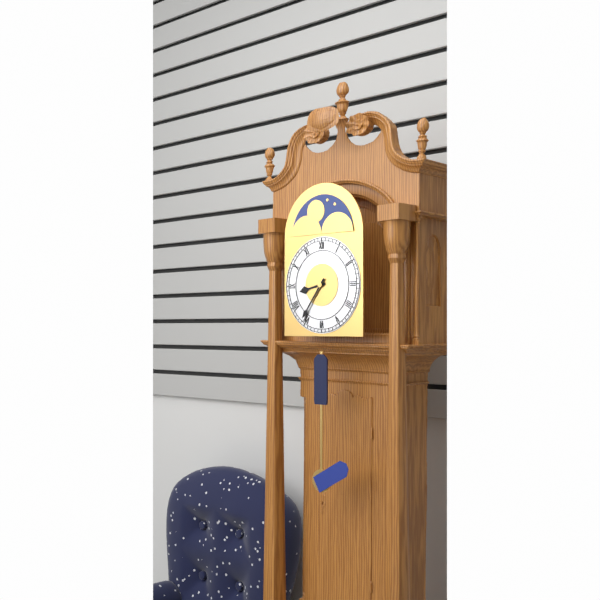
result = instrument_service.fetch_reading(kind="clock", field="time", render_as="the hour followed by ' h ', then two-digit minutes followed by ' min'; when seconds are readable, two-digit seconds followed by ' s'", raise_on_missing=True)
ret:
8 h 36 min
